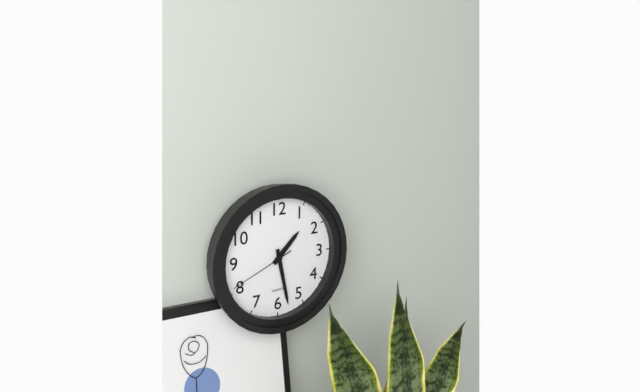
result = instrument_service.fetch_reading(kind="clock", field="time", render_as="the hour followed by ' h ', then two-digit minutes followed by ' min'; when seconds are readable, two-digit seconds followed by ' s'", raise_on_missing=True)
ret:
1 h 28 min 41 s
